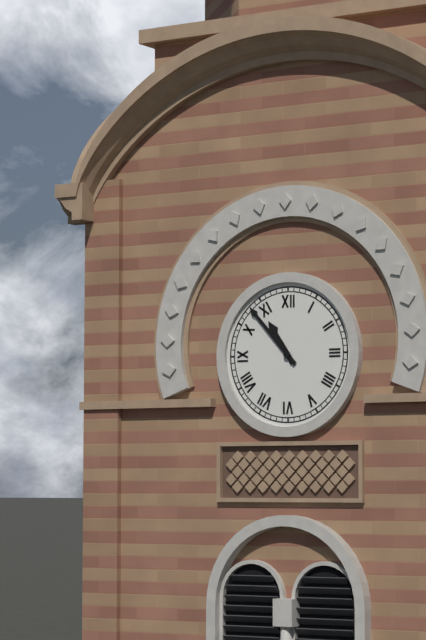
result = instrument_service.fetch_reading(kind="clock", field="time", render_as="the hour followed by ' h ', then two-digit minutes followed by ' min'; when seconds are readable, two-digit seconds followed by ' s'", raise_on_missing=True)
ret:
10 h 53 min
